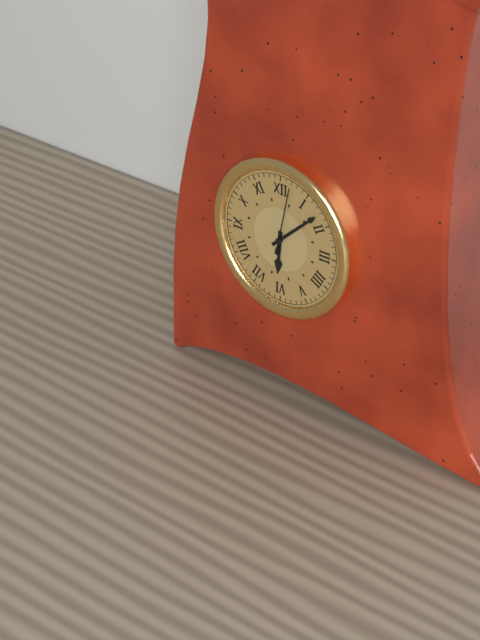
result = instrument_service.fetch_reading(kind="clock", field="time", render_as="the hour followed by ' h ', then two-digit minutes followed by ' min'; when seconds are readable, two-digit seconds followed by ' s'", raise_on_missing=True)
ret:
6 h 08 min 02 s
